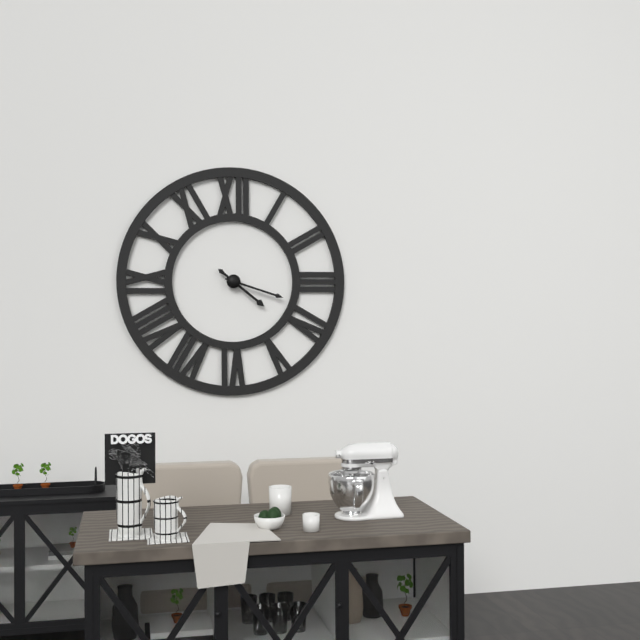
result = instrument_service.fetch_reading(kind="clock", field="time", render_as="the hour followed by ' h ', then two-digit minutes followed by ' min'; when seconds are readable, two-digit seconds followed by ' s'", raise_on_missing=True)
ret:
4 h 18 min
